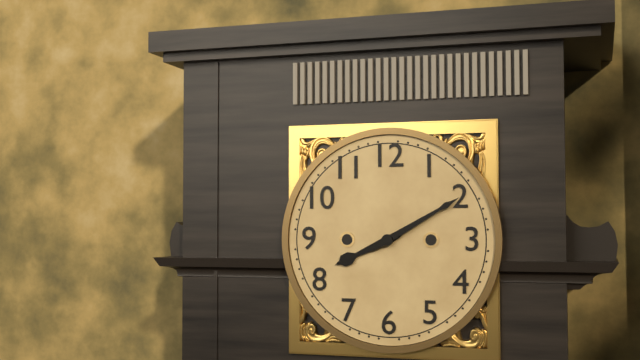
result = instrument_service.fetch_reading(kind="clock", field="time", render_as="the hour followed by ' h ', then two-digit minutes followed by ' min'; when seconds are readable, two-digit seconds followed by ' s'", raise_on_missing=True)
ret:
8 h 10 min
